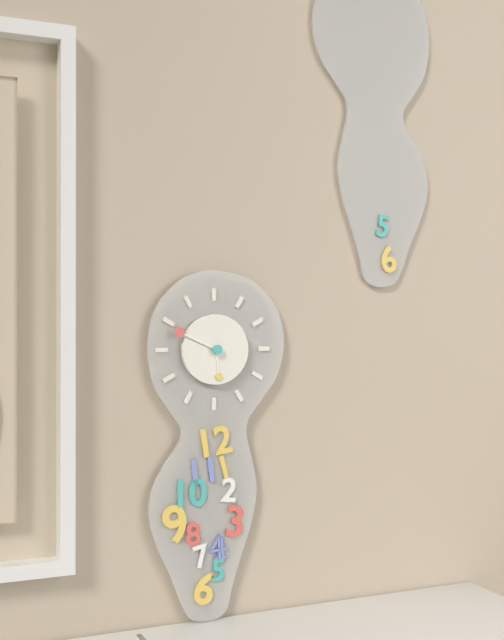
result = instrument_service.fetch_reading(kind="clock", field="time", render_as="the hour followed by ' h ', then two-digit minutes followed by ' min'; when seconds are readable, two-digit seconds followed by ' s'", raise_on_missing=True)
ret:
5 h 49 min
